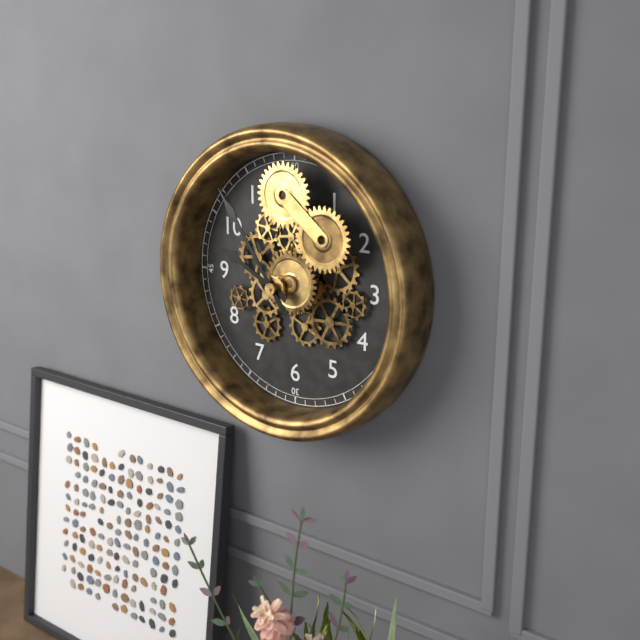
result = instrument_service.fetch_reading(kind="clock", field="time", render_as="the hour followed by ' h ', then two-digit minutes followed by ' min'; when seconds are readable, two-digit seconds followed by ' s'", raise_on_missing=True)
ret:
9 h 54 min
